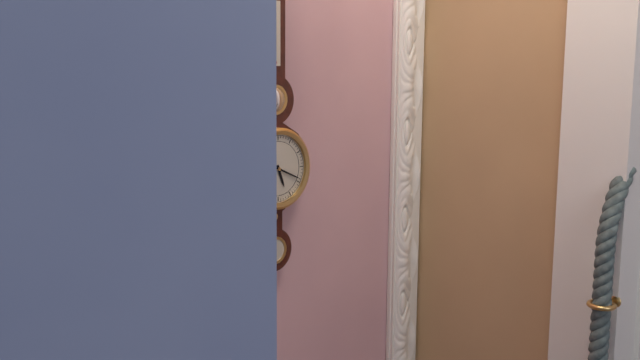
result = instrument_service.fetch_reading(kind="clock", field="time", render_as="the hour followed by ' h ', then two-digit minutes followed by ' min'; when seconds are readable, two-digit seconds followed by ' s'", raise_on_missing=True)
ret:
5 h 19 min
